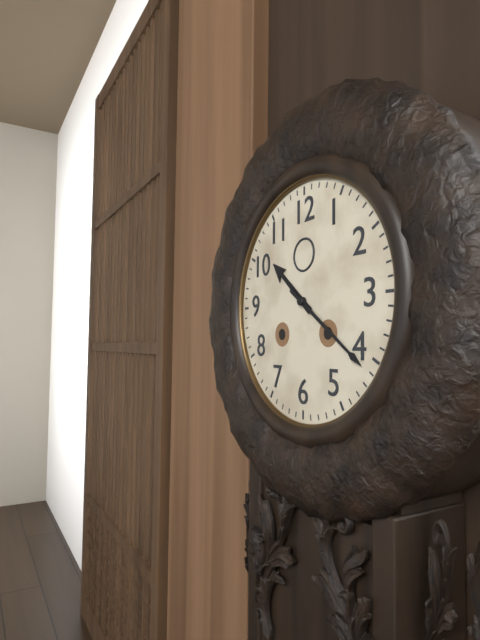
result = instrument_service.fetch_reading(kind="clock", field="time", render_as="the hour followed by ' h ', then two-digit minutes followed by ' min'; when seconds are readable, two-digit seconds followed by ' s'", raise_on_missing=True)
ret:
10 h 21 min
